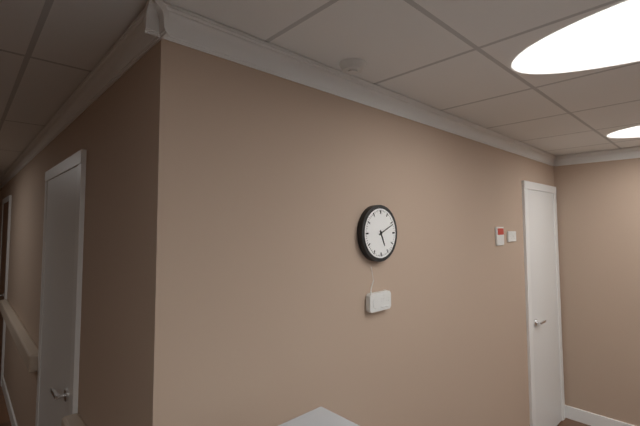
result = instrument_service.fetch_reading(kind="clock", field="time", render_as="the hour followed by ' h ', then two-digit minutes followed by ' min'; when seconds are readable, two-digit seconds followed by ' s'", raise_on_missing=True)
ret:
5 h 11 min
